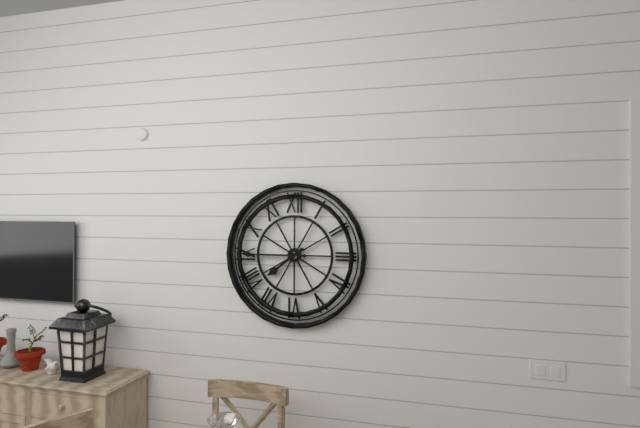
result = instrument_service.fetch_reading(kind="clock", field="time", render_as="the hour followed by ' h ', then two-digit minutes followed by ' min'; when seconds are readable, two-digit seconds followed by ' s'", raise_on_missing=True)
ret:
7 h 45 min
